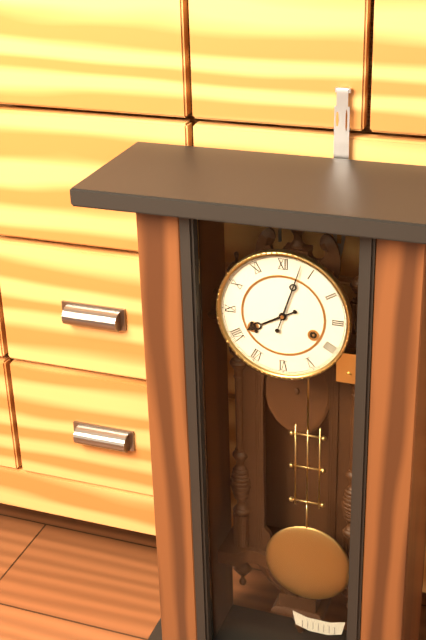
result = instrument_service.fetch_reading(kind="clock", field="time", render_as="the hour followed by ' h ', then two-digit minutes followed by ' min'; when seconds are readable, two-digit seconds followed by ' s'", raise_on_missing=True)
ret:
8 h 03 min
